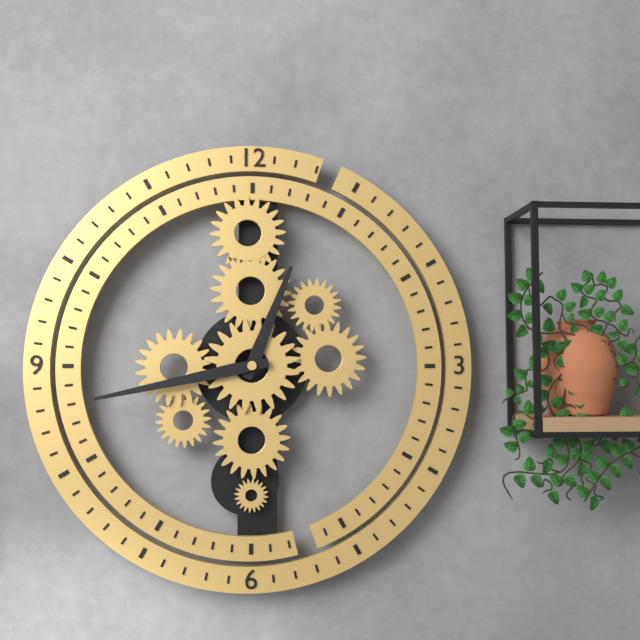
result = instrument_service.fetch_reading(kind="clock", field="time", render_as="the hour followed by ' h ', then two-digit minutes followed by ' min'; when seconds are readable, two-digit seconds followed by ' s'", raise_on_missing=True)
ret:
12 h 43 min
